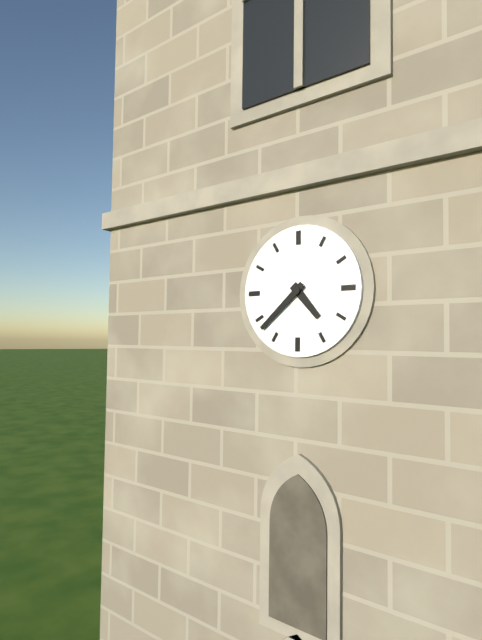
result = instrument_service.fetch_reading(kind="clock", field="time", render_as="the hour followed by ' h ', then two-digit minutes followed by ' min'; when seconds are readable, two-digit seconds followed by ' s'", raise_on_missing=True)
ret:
4 h 38 min
